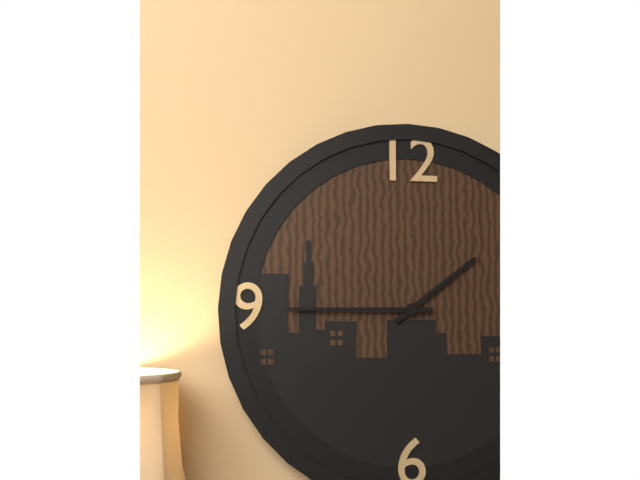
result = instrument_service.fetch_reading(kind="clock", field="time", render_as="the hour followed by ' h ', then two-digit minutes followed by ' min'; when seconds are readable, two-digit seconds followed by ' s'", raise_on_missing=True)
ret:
1 h 45 min
